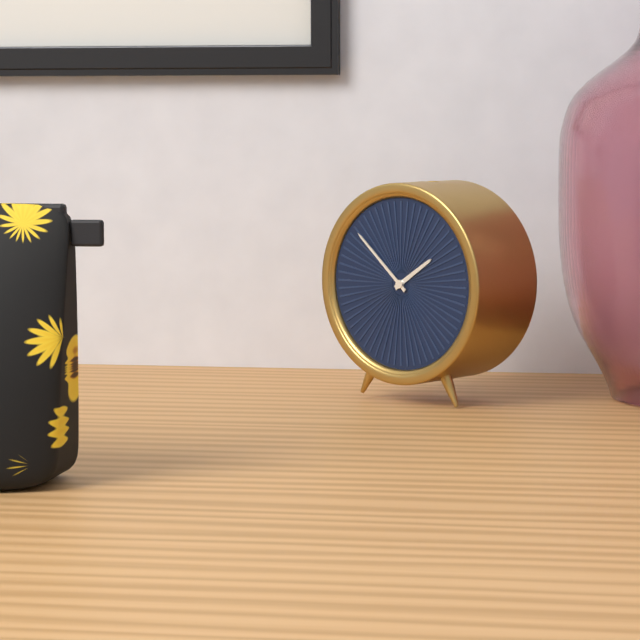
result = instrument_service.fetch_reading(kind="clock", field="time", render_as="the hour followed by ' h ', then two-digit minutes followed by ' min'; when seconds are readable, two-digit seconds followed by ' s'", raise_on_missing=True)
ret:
1 h 52 min
